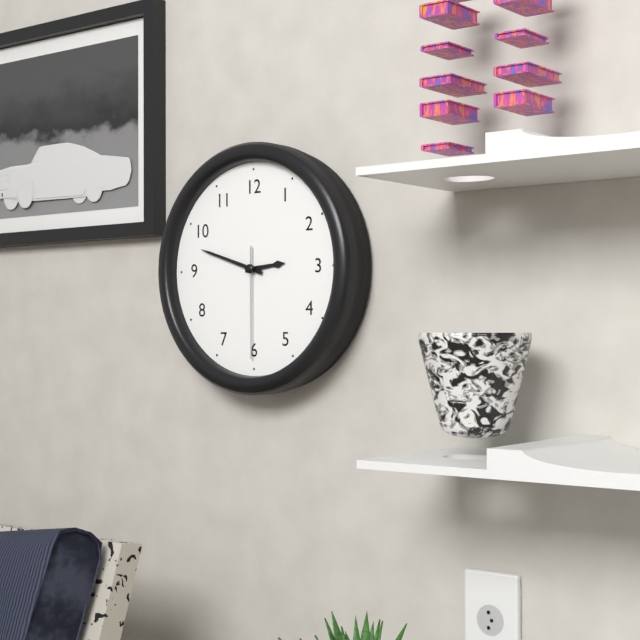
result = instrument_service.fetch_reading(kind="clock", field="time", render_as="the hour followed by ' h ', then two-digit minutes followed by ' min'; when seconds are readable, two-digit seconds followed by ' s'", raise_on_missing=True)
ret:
2 h 48 min 30 s
